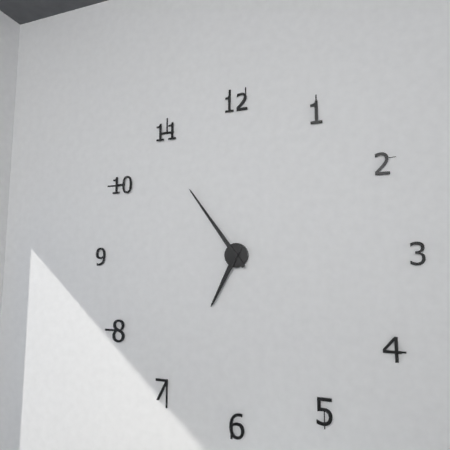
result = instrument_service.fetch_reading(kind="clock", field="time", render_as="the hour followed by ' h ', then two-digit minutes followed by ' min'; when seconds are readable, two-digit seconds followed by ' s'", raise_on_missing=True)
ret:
6 h 54 min
